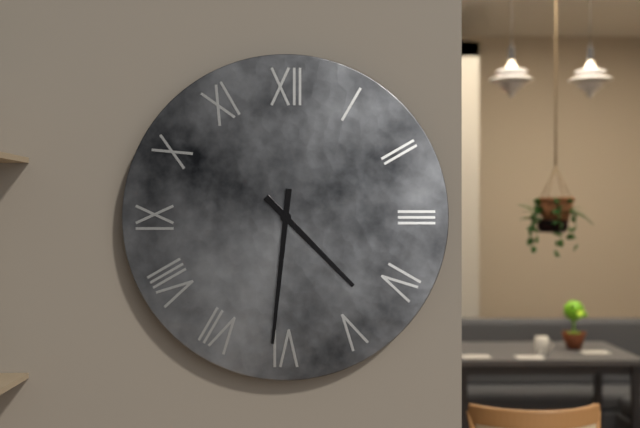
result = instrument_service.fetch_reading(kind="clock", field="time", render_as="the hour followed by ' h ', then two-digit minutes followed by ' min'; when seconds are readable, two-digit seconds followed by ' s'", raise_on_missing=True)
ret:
4 h 31 min
